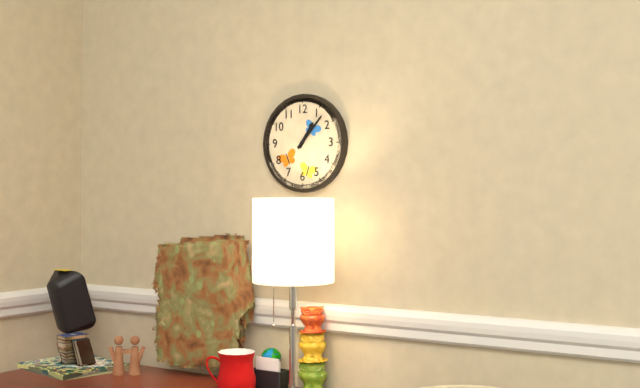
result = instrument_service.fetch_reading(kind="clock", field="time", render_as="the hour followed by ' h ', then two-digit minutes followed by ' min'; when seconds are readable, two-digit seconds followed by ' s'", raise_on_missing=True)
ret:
1 h 07 min
